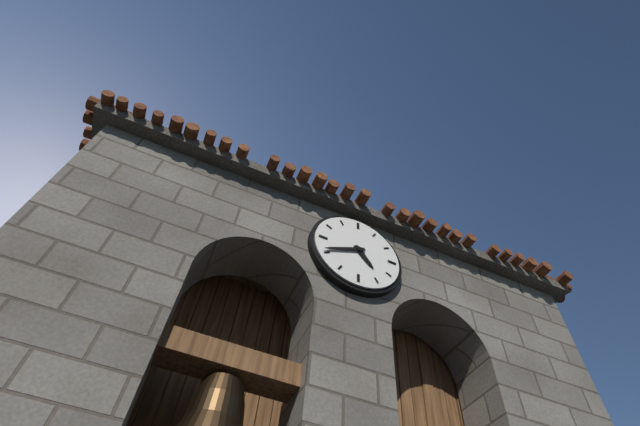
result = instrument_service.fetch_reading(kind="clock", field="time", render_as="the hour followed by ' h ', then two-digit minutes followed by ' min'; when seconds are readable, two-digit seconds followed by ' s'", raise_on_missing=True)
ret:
4 h 41 min
